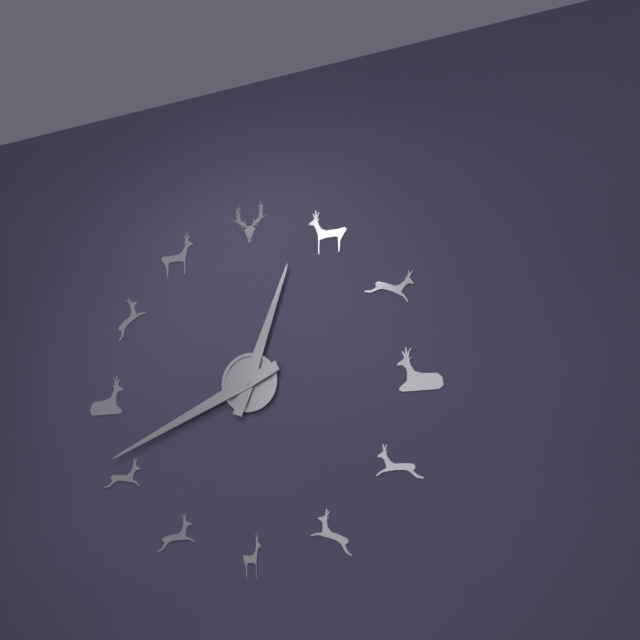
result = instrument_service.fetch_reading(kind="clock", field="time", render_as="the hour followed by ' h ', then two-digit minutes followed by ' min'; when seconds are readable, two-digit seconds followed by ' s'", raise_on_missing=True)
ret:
12 h 41 min
